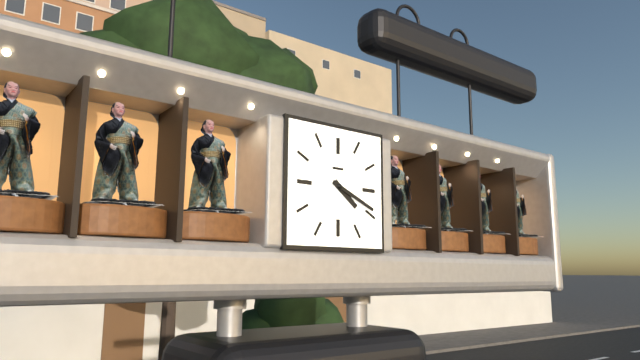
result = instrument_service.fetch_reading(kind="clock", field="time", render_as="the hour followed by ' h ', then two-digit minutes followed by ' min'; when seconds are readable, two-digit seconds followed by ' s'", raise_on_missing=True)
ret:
4 h 19 min
